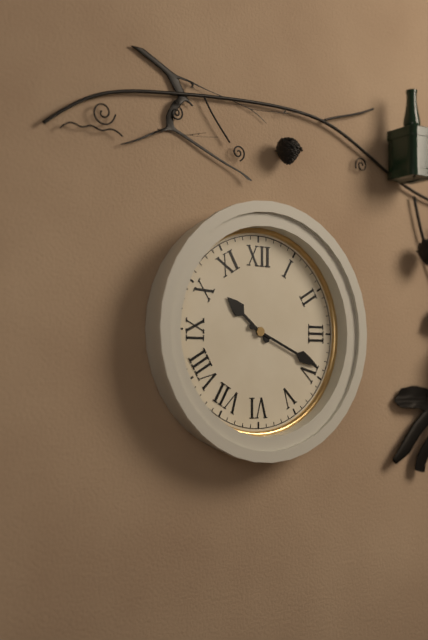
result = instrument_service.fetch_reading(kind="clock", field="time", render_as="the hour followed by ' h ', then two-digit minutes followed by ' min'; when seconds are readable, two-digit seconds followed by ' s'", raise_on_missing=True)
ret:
10 h 19 min
